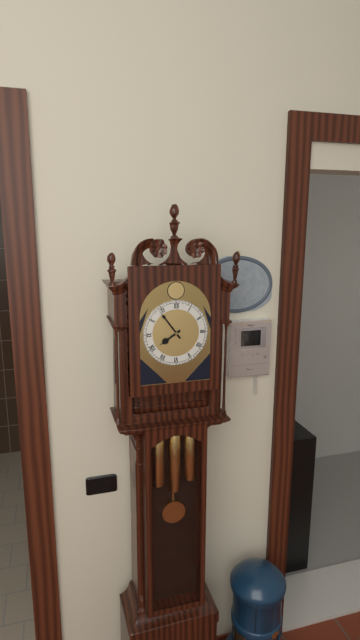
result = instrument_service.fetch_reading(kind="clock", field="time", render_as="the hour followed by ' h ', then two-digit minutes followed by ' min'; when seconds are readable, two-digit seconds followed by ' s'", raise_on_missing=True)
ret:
7 h 54 min
